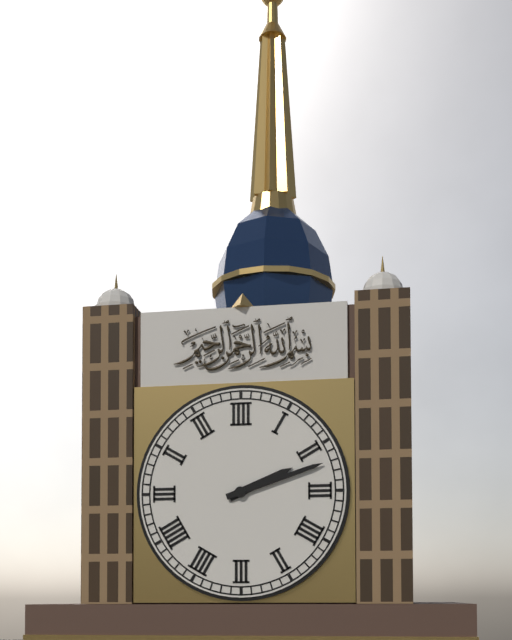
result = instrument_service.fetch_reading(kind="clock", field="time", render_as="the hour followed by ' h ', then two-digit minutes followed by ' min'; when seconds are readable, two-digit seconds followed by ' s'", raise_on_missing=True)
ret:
2 h 12 min
